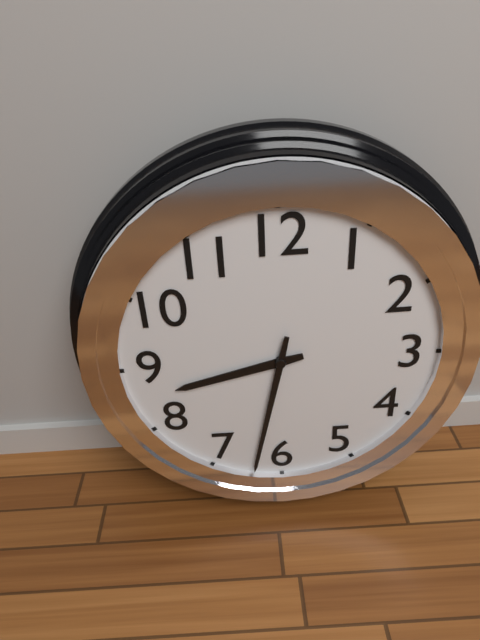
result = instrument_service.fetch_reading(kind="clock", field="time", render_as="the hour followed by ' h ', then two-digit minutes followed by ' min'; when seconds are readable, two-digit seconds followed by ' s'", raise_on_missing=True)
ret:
8 h 32 min
